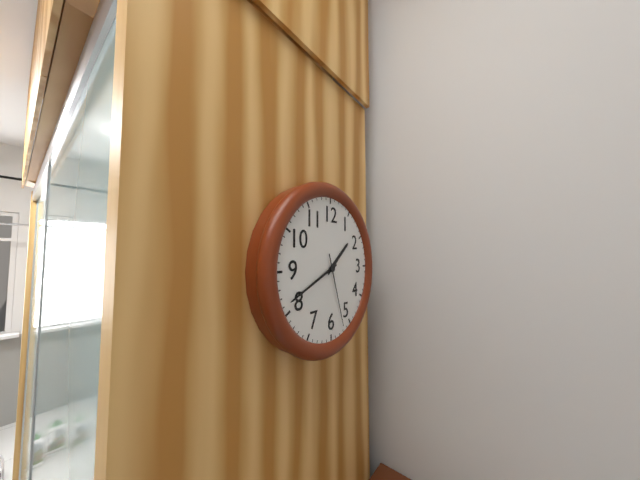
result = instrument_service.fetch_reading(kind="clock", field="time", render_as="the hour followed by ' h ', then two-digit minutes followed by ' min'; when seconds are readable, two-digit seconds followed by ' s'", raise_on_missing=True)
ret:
1 h 41 min 27 s
